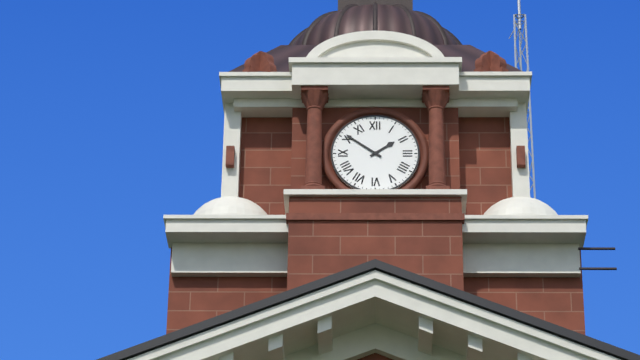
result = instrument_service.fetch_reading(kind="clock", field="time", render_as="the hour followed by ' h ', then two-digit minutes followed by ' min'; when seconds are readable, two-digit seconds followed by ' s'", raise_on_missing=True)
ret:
1 h 51 min
